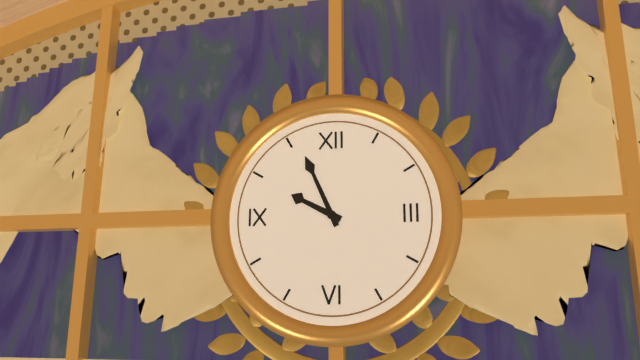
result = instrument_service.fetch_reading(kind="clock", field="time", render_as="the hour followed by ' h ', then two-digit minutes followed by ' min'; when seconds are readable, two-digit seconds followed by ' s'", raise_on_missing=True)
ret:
9 h 56 min
